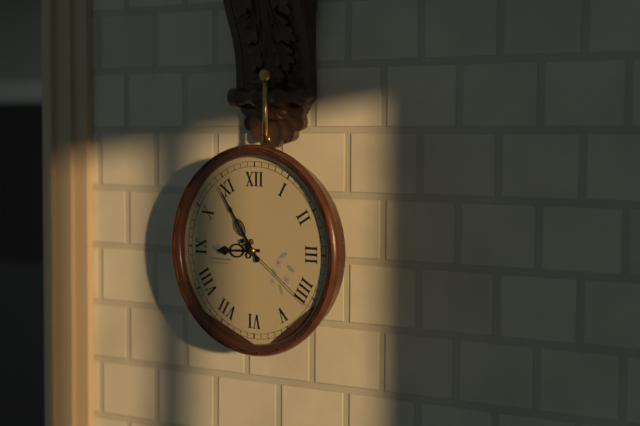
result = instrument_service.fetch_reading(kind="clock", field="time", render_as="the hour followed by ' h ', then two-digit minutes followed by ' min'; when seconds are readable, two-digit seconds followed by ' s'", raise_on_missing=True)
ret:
8 h 54 min 21 s
